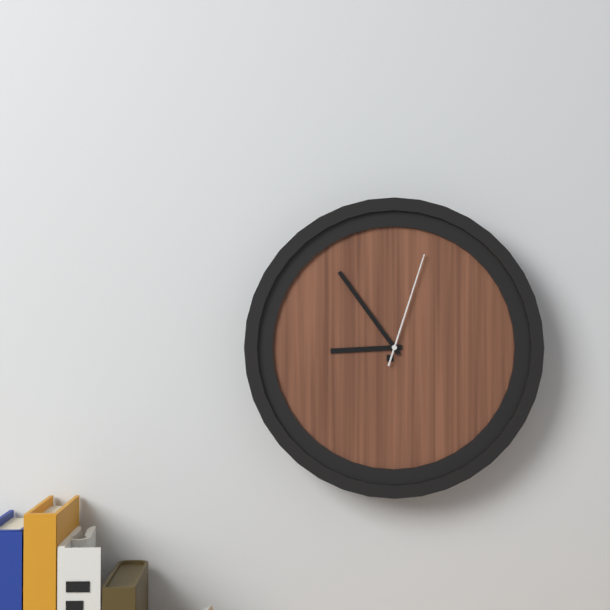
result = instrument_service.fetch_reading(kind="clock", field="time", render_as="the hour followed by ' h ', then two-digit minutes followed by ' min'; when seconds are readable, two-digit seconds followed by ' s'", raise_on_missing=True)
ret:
8 h 54 min 03 s
